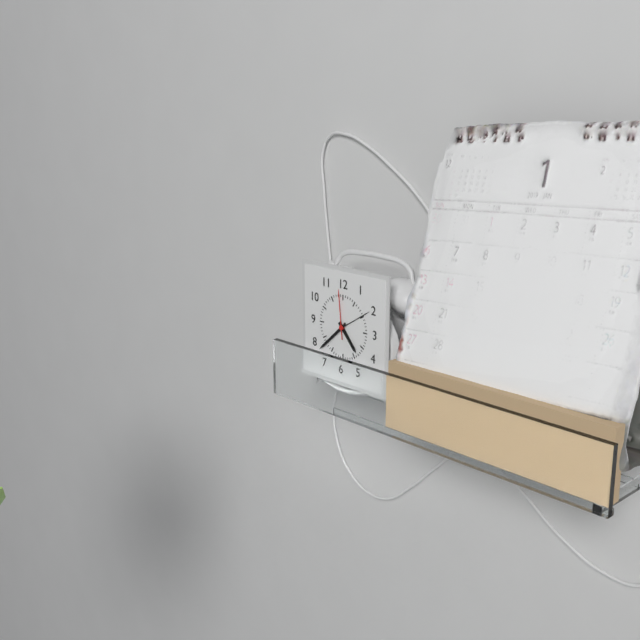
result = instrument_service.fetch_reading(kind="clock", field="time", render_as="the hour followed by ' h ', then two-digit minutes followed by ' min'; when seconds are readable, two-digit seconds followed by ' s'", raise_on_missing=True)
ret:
4 h 38 min
